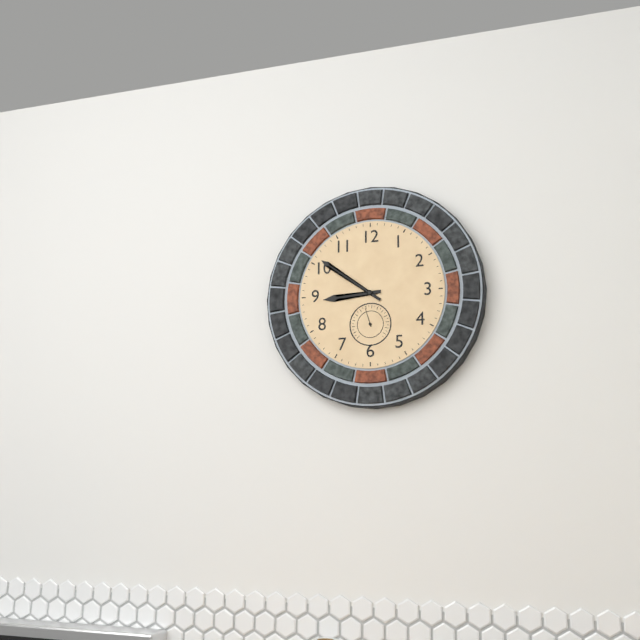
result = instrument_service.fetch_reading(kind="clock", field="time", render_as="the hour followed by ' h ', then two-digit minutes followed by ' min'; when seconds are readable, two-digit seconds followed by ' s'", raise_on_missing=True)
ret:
8 h 51 min
